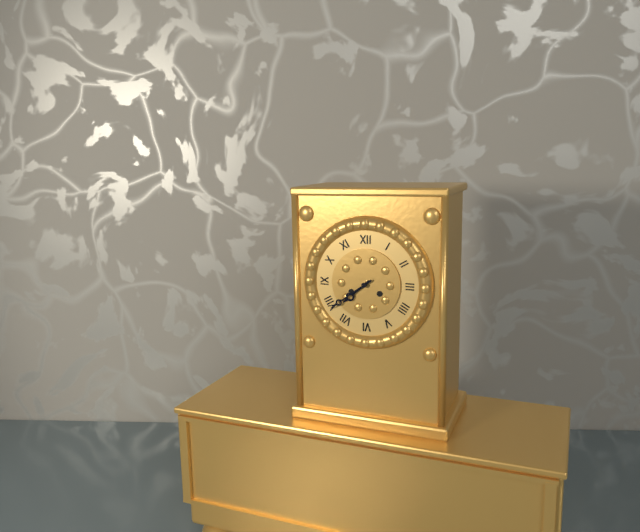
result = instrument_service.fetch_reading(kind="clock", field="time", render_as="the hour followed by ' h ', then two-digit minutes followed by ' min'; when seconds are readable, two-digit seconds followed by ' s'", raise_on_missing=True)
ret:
7 h 39 min
